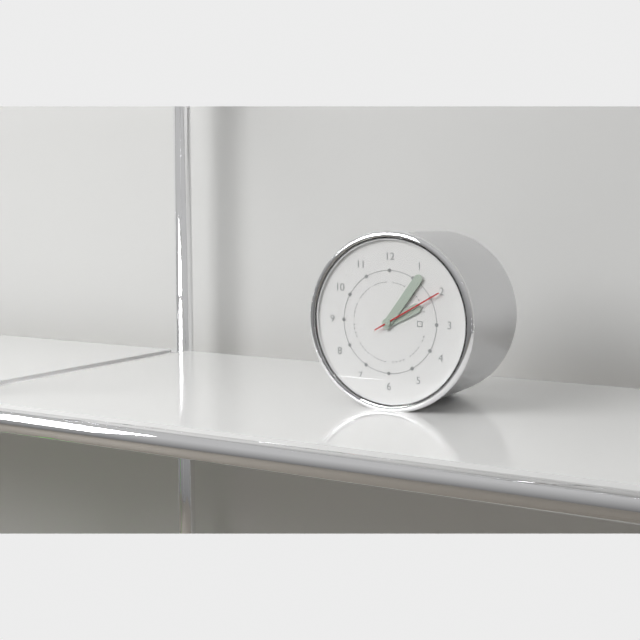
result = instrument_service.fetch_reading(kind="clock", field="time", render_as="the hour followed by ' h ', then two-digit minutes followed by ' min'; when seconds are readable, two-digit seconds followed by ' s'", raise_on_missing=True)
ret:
2 h 06 min 10 s
